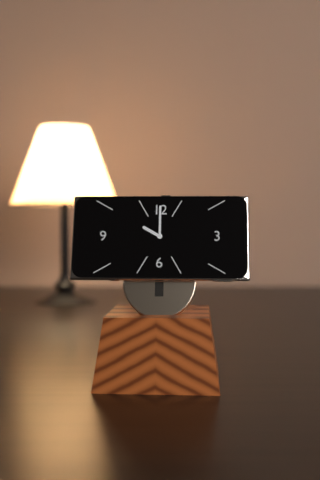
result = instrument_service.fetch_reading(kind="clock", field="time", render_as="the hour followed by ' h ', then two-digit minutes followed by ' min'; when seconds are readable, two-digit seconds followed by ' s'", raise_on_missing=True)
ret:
10 h 00 min
